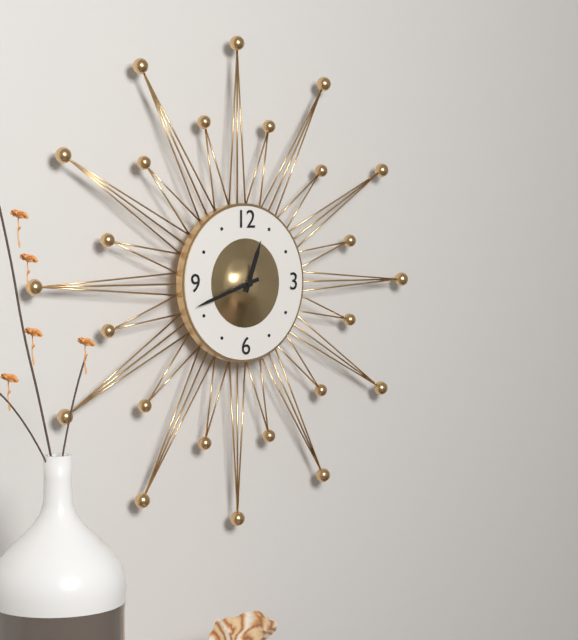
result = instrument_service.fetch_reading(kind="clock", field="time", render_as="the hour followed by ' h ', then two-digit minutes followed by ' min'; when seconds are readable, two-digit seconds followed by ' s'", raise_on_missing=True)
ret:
12 h 42 min
